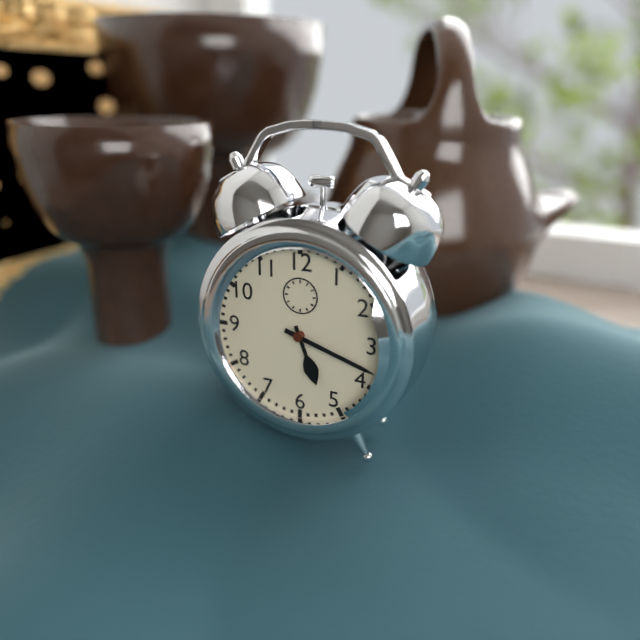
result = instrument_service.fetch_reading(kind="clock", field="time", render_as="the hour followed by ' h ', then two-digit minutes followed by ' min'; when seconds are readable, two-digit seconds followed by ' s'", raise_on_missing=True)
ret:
5 h 18 min
